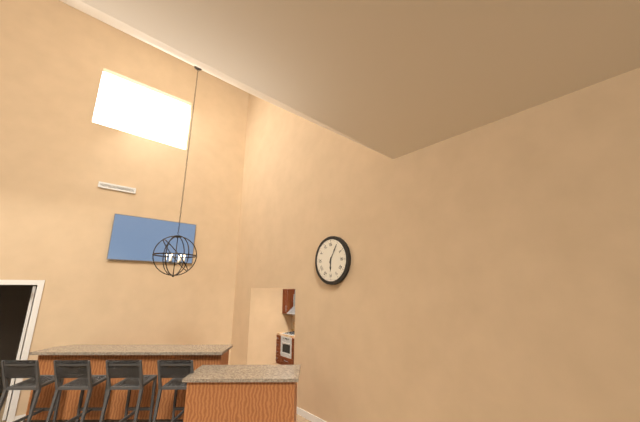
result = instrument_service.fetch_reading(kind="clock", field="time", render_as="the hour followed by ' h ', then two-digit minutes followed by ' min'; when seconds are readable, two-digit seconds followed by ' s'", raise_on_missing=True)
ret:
6 h 05 min
